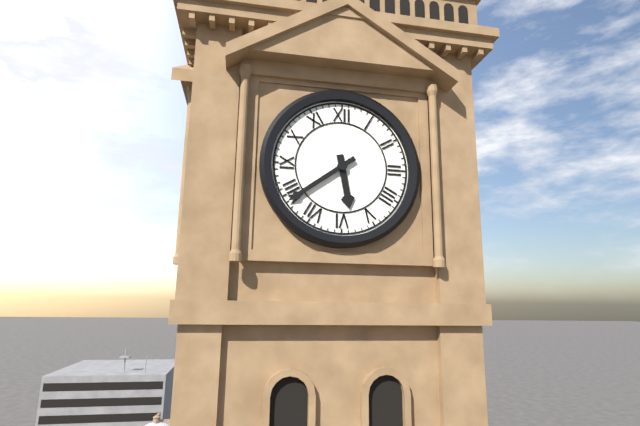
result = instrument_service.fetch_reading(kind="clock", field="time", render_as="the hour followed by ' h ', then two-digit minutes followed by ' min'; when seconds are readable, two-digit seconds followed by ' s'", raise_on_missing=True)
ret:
5 h 39 min
